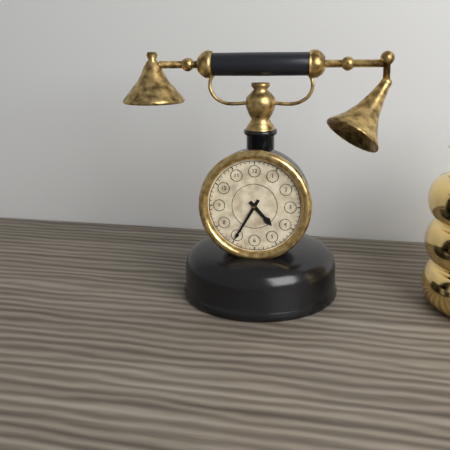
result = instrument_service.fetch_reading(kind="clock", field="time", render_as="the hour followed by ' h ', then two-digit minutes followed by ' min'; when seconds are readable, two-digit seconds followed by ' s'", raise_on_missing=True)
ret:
4 h 35 min
